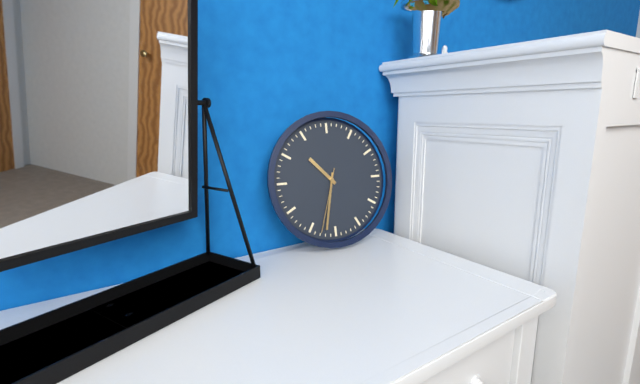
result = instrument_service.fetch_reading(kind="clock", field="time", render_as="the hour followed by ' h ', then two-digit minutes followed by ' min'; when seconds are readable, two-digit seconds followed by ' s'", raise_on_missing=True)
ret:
10 h 32 min 33 s
